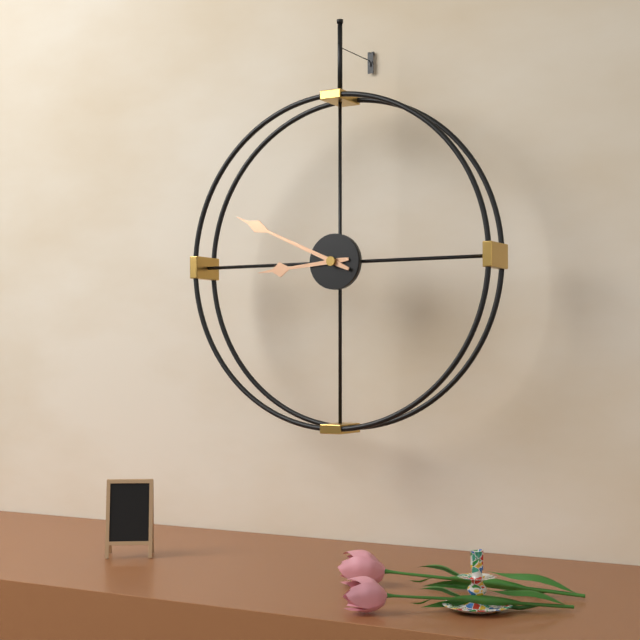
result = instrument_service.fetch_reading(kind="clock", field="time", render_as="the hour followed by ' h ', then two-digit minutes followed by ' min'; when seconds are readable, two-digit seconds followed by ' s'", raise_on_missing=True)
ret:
8 h 49 min
